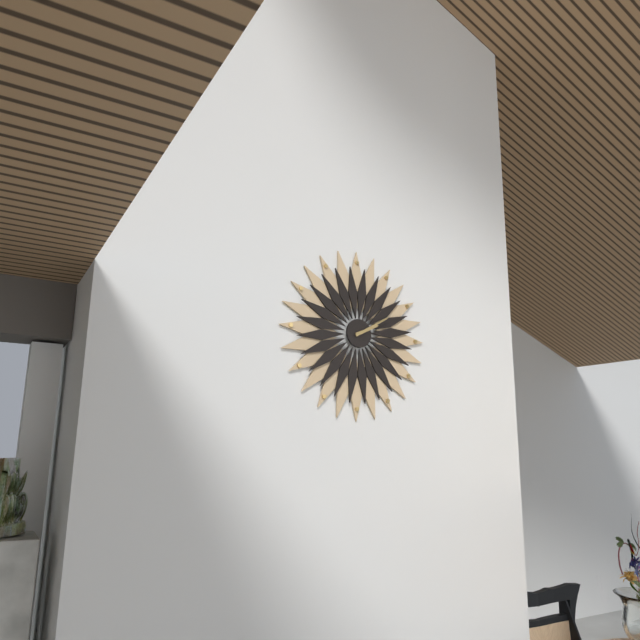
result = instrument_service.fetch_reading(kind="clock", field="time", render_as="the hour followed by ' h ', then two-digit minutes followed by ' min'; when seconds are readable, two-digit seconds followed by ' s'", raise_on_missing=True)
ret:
2 h 10 min
